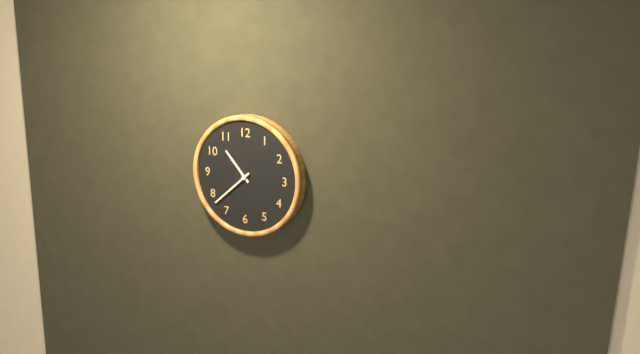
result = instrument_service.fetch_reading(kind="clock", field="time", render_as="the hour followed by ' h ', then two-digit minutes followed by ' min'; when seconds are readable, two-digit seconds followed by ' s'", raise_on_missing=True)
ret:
10 h 38 min
